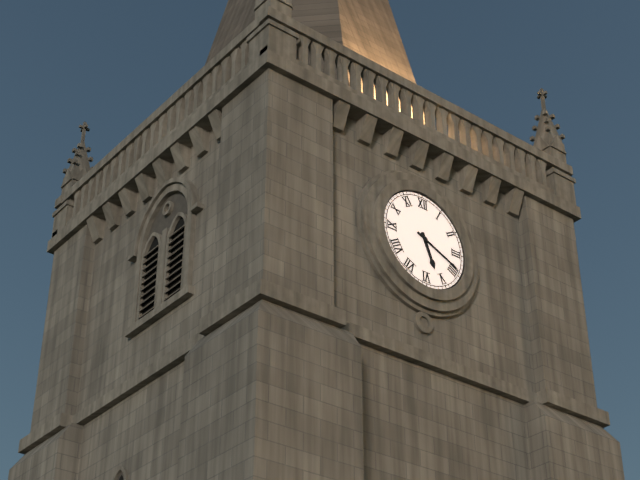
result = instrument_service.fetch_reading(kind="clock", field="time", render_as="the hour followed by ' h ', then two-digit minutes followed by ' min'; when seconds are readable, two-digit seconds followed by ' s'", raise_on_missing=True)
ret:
5 h 19 min
